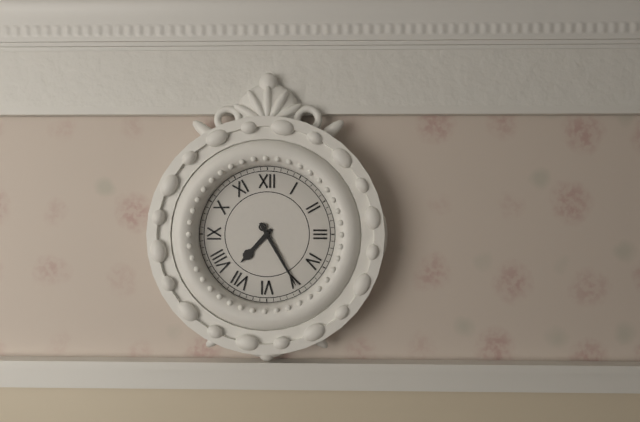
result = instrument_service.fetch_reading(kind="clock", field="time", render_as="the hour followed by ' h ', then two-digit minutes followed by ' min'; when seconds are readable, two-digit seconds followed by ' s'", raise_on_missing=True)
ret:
7 h 25 min
